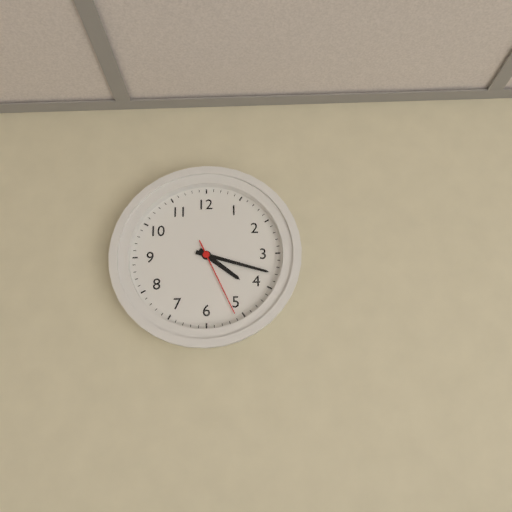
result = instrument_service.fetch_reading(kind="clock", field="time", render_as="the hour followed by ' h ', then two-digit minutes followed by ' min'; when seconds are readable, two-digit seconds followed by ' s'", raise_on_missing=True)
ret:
4 h 18 min 26 s
